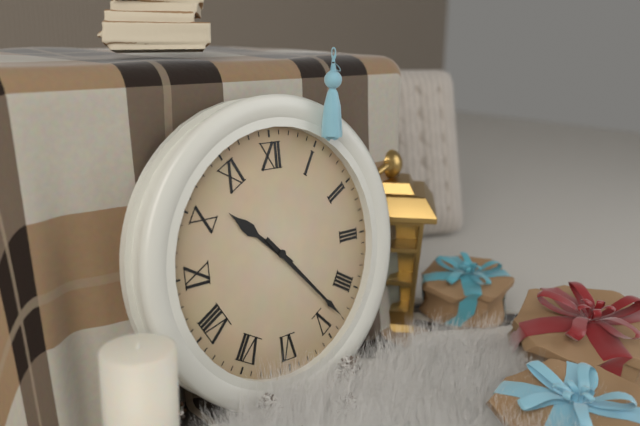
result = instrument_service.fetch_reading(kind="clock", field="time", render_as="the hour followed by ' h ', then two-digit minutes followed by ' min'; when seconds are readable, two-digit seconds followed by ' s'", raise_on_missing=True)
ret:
10 h 23 min
